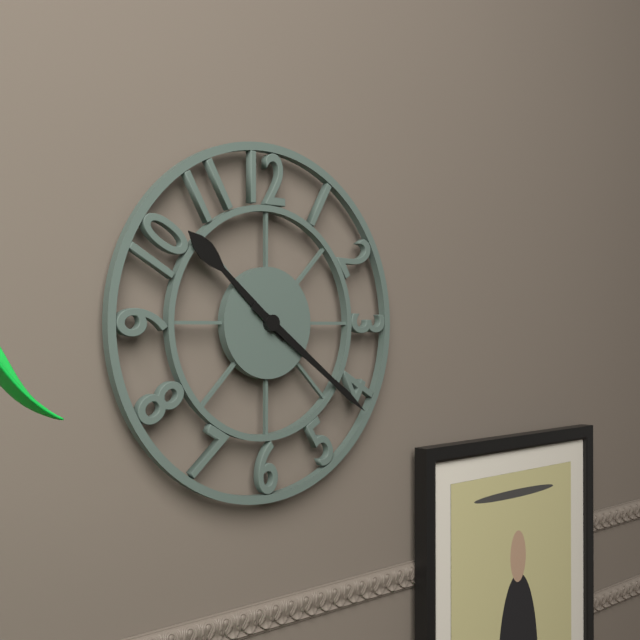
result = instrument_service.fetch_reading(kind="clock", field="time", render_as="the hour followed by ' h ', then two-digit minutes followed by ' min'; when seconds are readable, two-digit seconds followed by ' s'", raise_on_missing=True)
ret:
10 h 21 min
